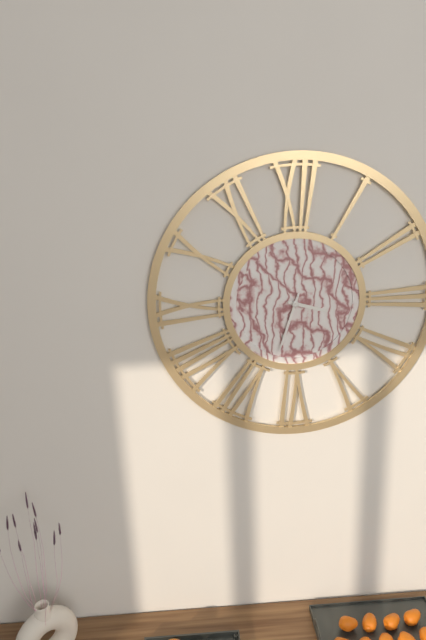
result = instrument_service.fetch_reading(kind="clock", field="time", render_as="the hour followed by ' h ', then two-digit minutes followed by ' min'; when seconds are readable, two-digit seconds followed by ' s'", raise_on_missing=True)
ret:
3 h 33 min
